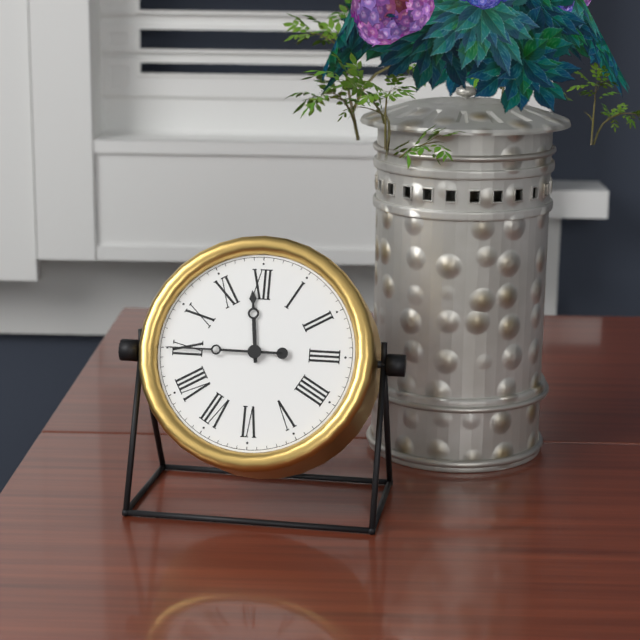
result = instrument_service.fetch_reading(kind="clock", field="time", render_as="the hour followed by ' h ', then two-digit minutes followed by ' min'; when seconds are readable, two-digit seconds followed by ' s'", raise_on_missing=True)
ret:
11 h 45 min
